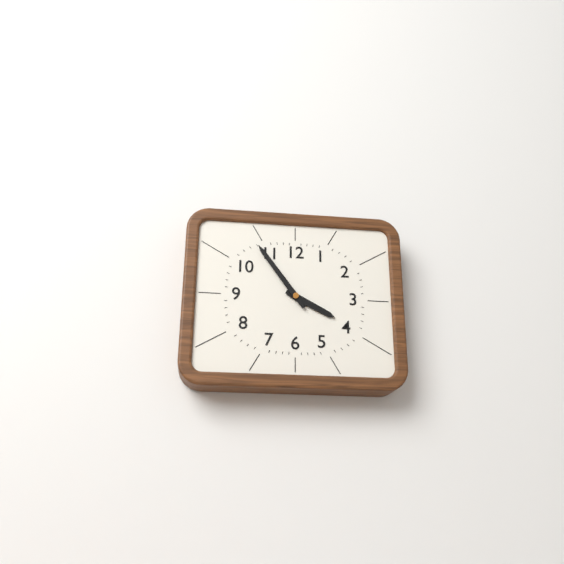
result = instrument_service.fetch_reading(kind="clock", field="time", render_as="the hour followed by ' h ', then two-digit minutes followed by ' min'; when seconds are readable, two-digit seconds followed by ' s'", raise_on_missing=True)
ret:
3 h 54 min
